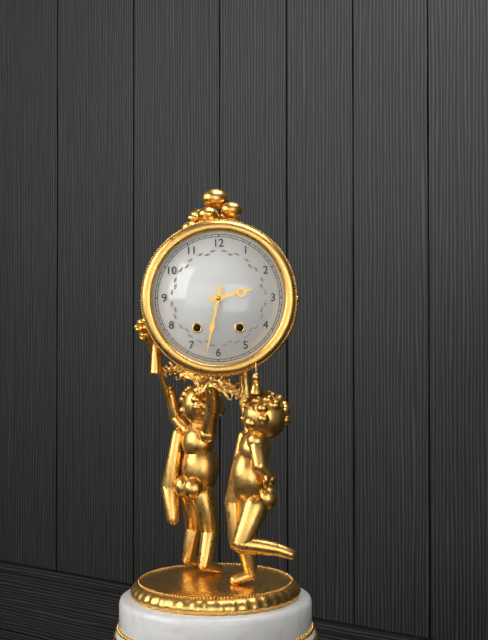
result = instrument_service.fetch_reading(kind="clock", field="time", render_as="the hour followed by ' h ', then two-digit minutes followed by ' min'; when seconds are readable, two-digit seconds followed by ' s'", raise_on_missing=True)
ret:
2 h 32 min
